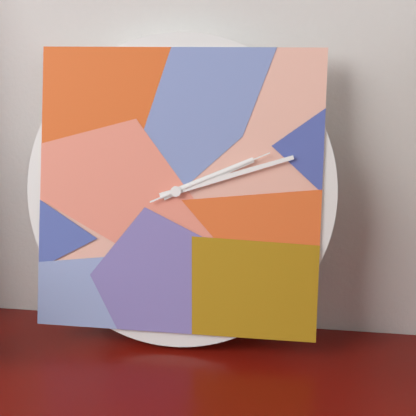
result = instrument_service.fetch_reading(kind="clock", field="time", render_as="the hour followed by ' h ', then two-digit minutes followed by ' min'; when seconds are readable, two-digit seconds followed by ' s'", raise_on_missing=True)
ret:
2 h 12 min 11 s
